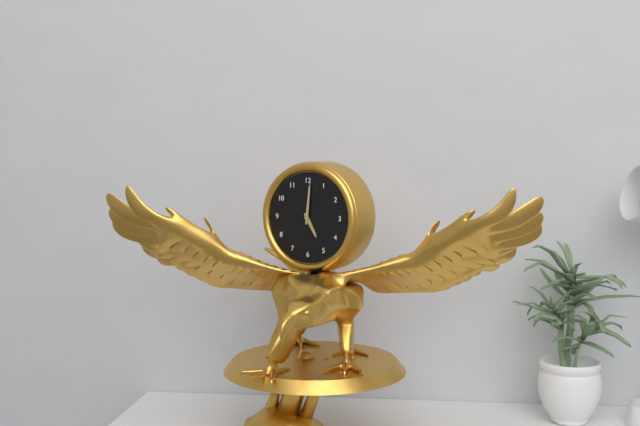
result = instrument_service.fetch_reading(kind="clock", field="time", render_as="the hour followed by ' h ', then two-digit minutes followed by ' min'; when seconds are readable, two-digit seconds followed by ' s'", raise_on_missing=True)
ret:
5 h 01 min
